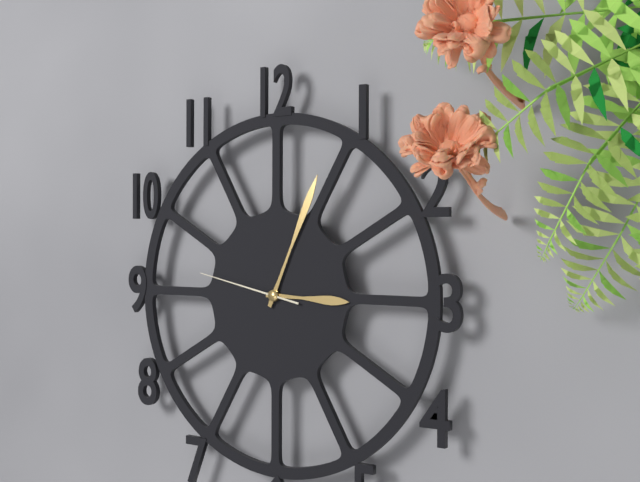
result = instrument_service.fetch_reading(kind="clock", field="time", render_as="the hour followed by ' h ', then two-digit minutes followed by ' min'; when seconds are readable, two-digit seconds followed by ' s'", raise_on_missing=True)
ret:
3 h 04 min 47 s
